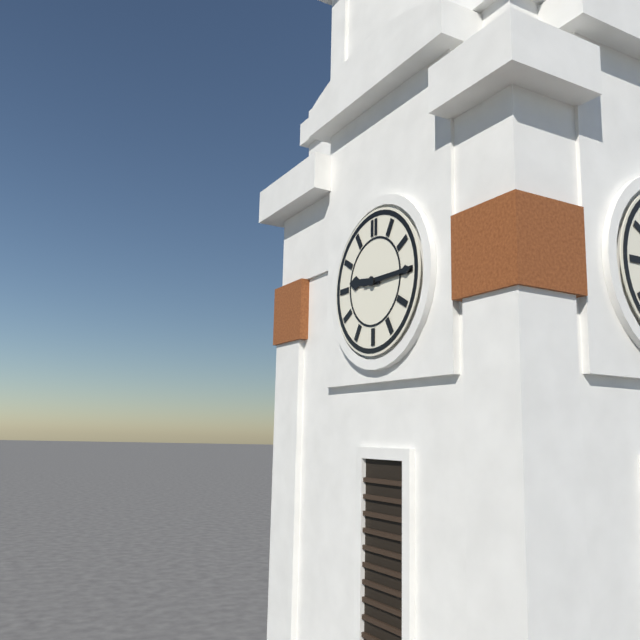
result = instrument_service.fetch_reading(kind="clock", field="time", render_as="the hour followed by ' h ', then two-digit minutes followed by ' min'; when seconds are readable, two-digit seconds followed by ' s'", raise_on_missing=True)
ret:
9 h 15 min
